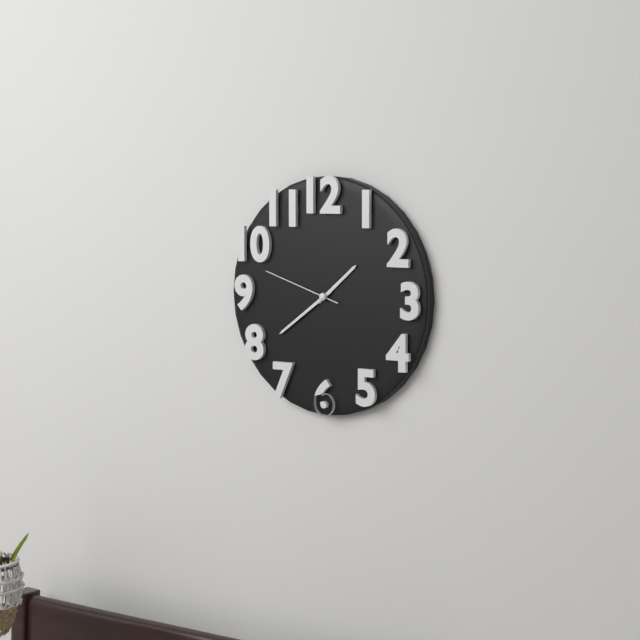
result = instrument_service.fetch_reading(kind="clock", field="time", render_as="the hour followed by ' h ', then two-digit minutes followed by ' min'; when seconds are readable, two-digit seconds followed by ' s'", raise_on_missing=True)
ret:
1 h 39 min 48 s
